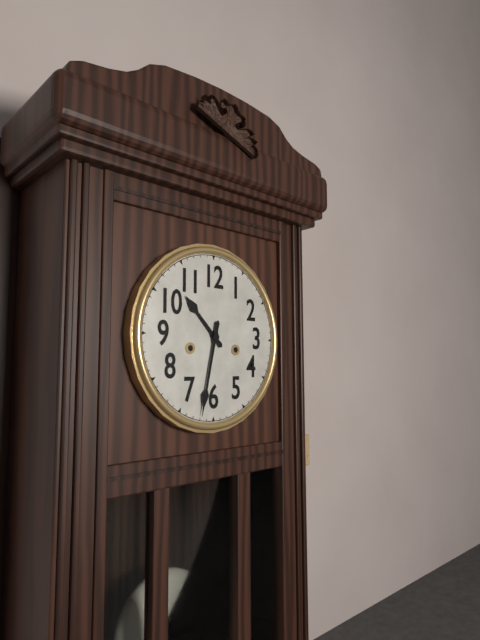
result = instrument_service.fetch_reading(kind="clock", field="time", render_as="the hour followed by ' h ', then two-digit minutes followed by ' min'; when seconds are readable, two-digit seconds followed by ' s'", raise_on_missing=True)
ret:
10 h 32 min
